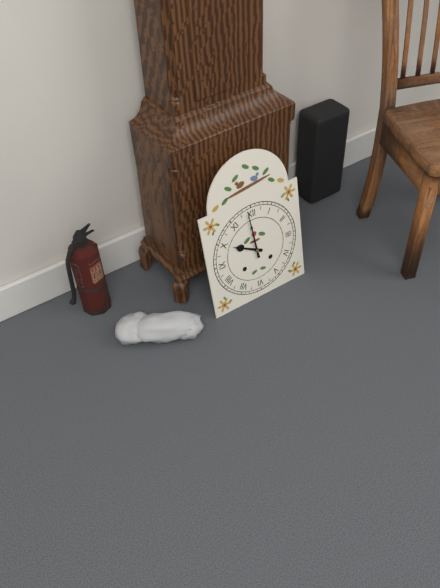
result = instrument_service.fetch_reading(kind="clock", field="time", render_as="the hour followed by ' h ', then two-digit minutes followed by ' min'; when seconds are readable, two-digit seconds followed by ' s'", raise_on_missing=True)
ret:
9 h 59 min
